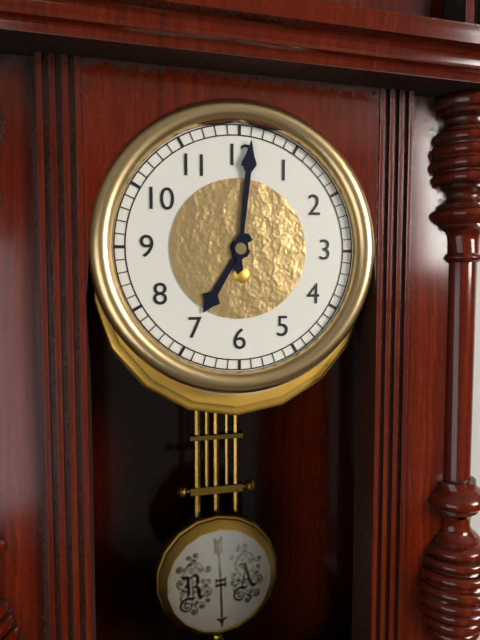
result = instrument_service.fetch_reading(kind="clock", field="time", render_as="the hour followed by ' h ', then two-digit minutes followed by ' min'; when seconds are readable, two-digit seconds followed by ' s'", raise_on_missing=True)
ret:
7 h 01 min
